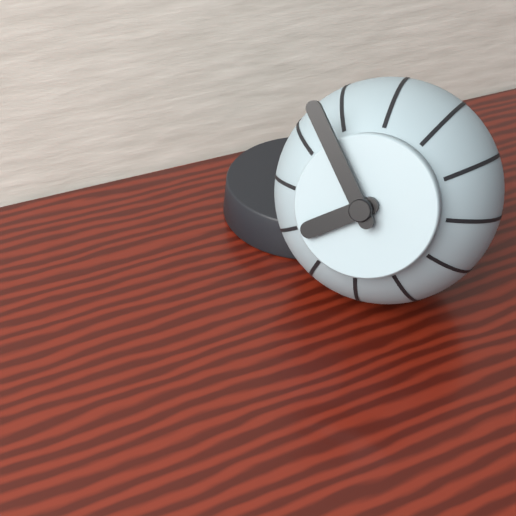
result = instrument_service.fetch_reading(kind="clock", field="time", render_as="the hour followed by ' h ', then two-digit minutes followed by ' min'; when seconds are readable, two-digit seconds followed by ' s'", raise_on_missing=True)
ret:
7 h 54 min
